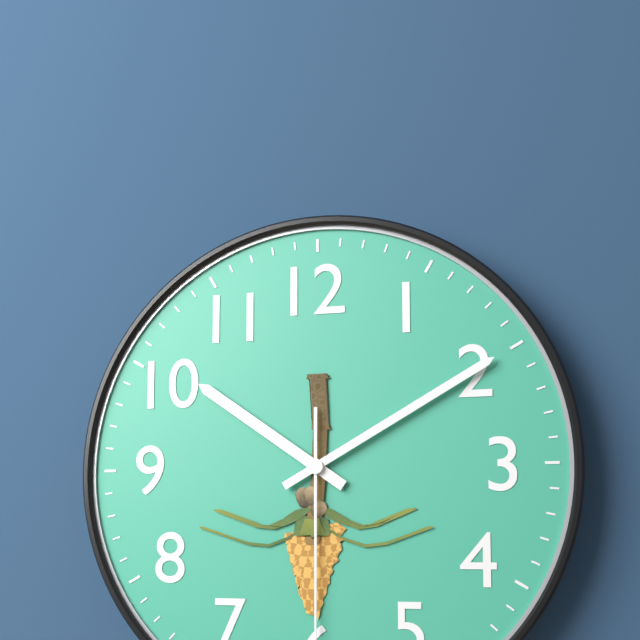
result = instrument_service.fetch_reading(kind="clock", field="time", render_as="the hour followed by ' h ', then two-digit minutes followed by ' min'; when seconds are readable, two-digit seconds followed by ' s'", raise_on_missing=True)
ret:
10 h 10 min
